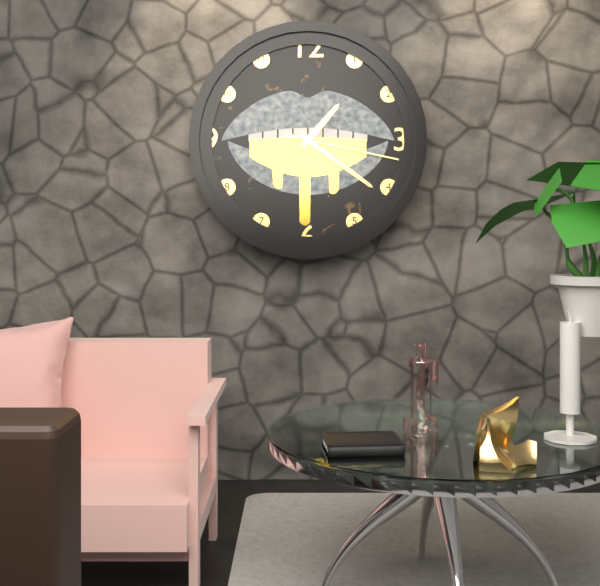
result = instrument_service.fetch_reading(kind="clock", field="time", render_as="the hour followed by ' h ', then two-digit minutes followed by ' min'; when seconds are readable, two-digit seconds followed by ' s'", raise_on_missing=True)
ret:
1 h 21 min 17 s
